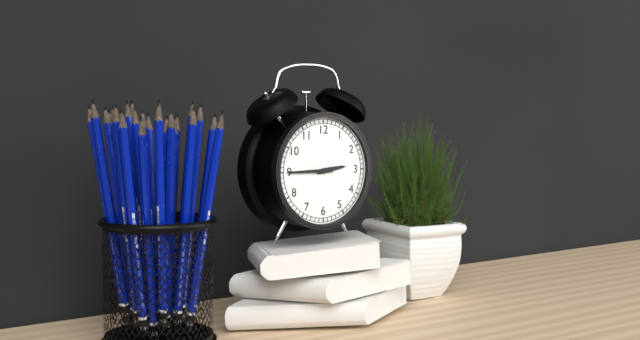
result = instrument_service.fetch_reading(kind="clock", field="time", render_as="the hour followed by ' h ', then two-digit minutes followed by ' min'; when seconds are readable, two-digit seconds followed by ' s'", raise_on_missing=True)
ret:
2 h 45 min
